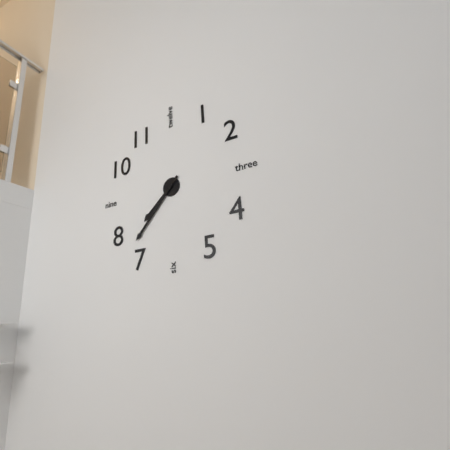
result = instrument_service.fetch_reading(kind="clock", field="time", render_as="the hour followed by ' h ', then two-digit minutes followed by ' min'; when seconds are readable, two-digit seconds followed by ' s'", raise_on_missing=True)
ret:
7 h 37 min
